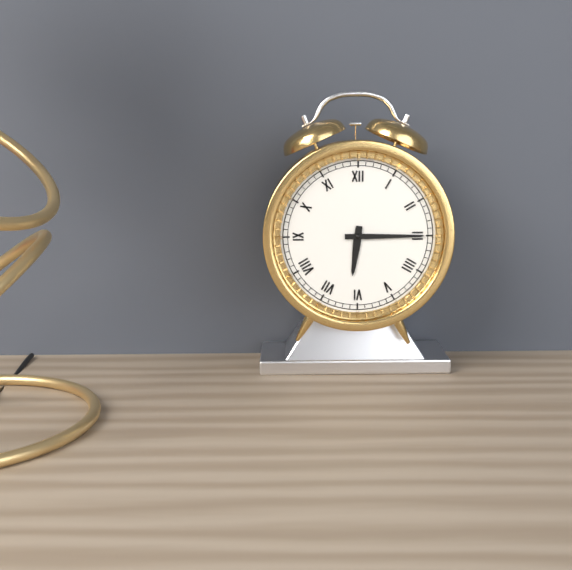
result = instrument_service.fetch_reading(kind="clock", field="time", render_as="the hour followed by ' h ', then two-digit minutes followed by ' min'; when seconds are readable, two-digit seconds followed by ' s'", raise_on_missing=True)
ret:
6 h 15 min
